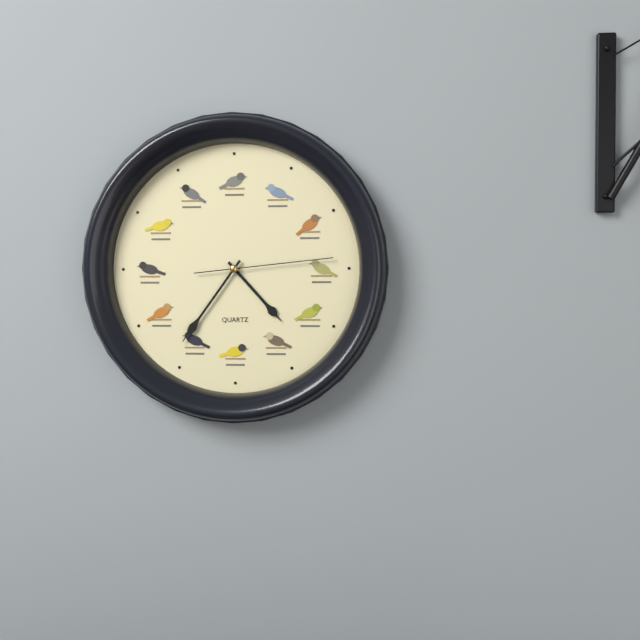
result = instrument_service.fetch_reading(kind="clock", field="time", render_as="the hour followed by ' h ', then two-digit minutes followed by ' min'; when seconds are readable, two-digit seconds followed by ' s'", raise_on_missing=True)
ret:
4 h 36 min 14 s
